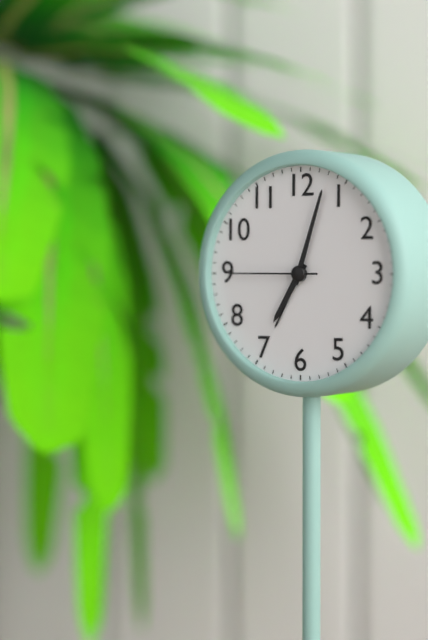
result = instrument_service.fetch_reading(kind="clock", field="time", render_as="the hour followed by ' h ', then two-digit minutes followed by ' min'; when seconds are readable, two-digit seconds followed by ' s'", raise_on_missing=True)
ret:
7 h 03 min 45 s
